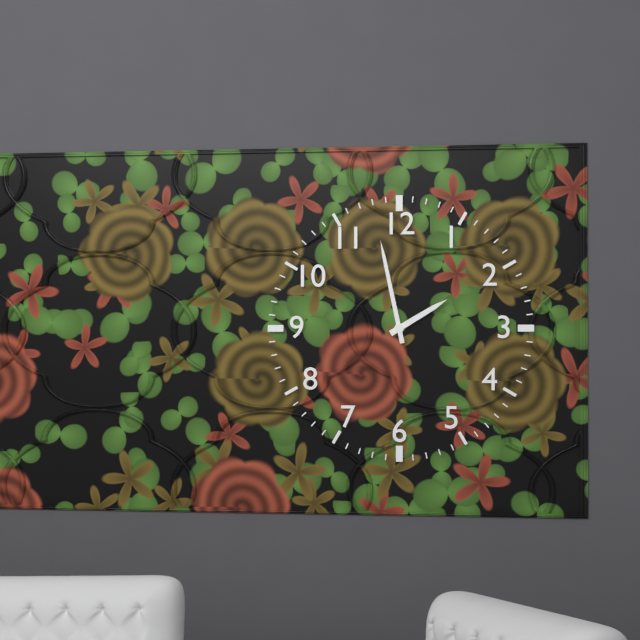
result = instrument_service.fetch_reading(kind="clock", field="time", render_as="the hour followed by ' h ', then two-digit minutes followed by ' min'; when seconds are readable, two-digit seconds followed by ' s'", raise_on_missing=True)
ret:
1 h 58 min
